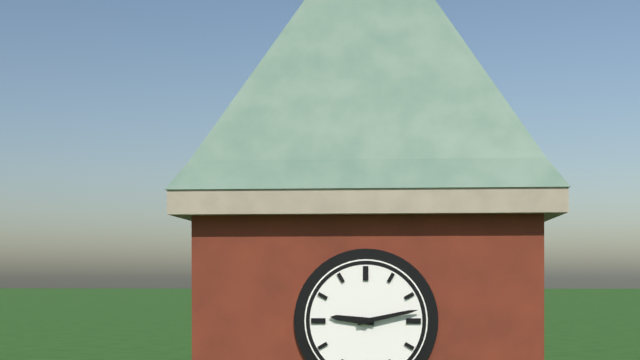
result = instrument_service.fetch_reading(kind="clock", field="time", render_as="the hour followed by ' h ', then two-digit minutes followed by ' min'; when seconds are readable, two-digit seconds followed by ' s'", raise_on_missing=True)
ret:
9 h 13 min
